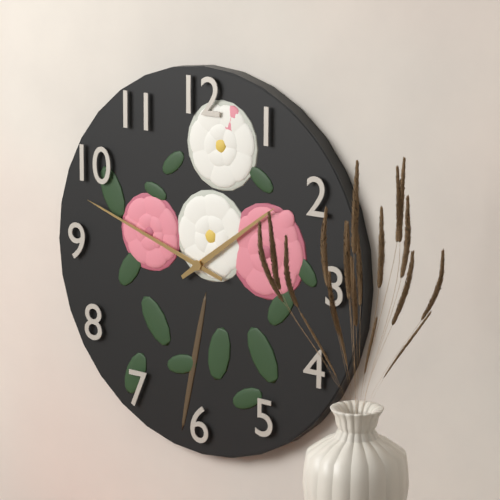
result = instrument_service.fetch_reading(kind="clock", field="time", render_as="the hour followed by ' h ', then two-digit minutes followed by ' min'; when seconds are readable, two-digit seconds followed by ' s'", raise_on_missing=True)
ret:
1 h 48 min
